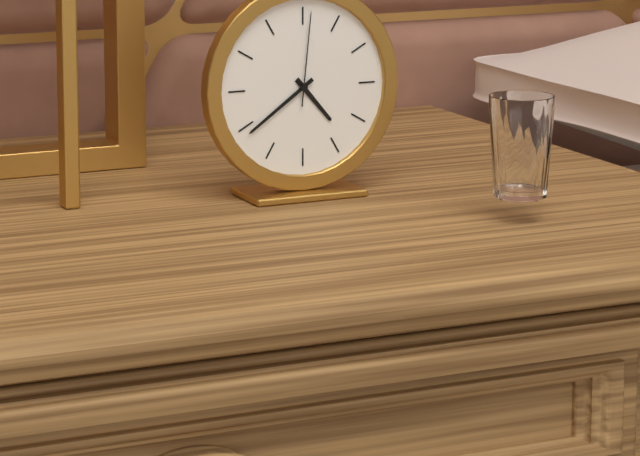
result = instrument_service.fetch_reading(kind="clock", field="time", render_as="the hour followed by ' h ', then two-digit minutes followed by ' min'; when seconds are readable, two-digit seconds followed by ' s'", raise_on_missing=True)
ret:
4 h 39 min 01 s
